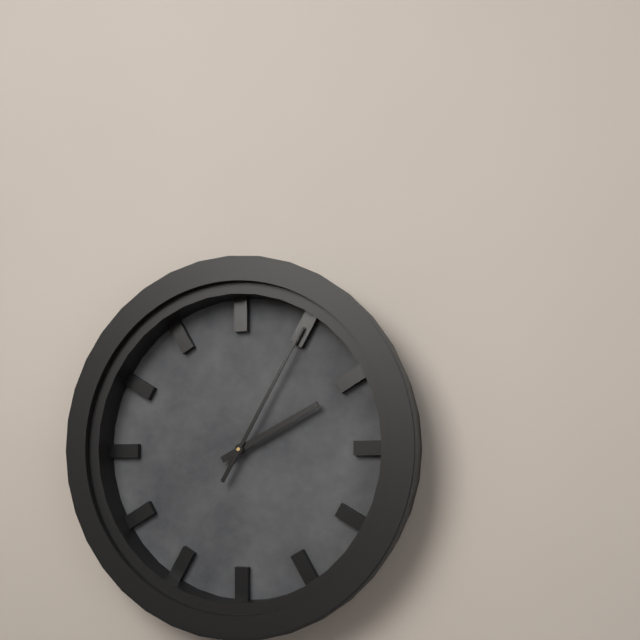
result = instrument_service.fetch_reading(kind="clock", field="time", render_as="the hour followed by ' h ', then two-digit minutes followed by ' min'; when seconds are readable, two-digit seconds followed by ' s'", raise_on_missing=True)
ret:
2 h 05 min
